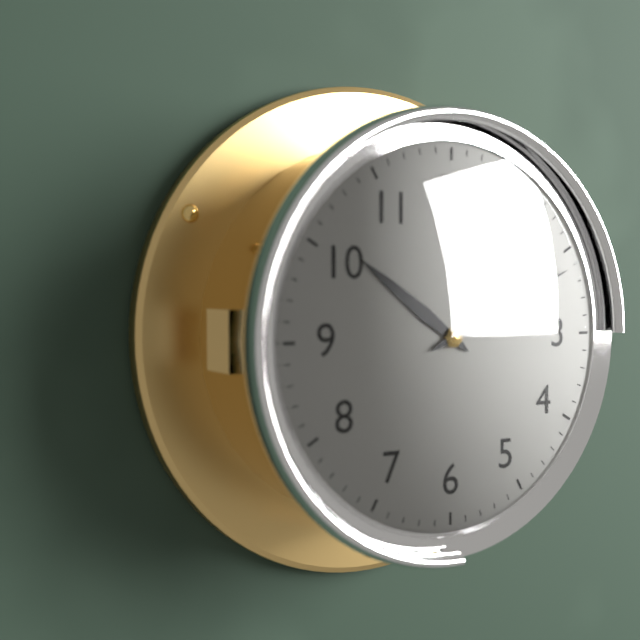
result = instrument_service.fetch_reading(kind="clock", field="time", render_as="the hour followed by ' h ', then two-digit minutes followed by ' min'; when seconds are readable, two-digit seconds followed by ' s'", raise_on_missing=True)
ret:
10 h 11 min
